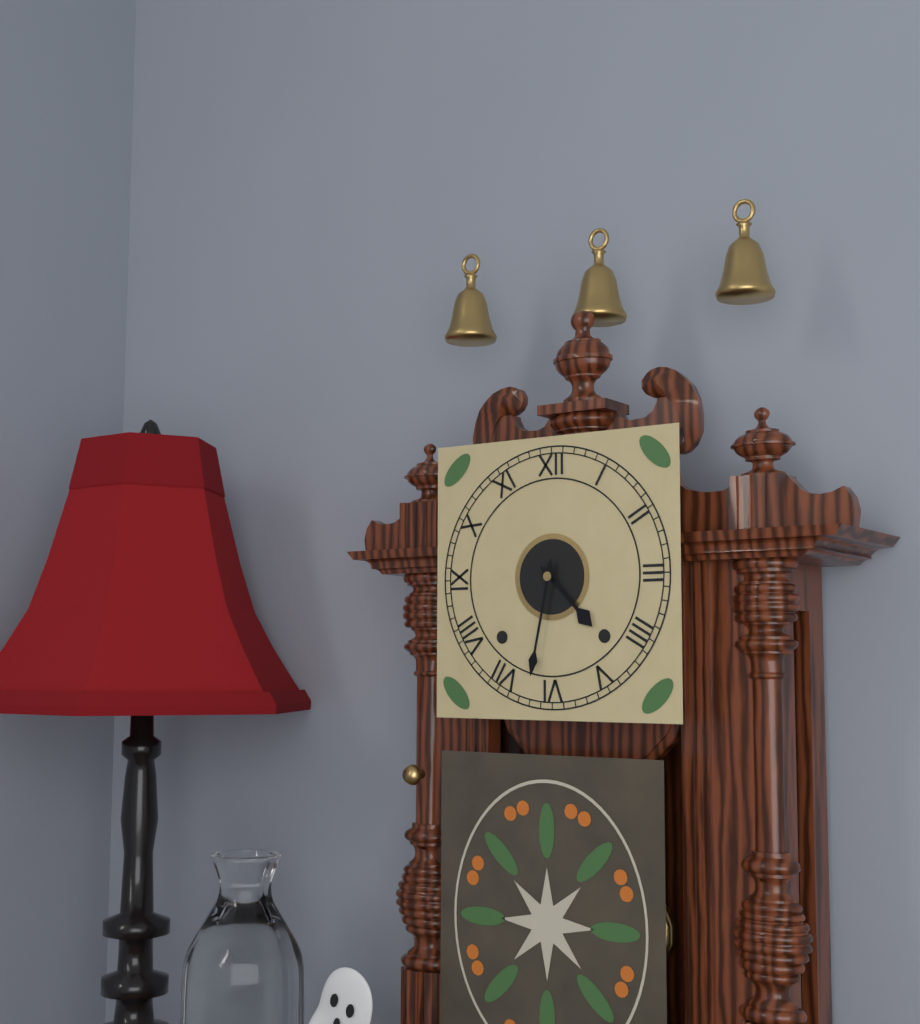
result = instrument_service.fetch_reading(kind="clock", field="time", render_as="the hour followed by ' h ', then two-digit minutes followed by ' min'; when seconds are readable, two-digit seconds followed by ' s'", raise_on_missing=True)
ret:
4 h 32 min
